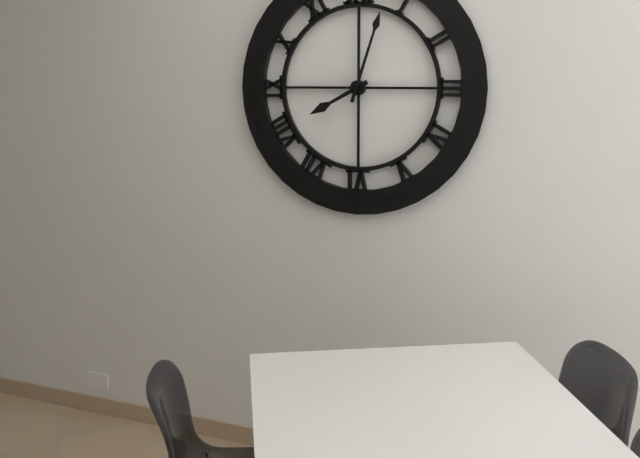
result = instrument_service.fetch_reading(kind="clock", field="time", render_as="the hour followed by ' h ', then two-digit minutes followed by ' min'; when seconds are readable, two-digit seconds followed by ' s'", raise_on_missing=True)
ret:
8 h 03 min
